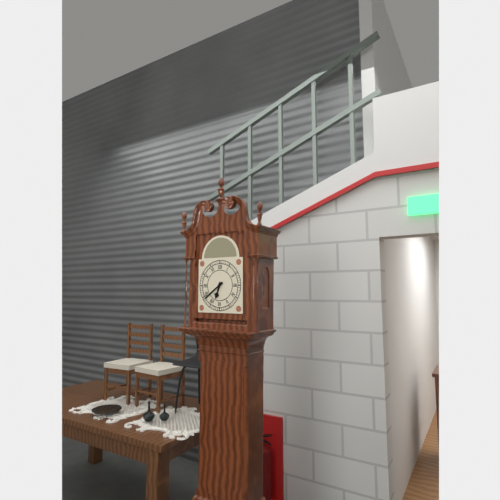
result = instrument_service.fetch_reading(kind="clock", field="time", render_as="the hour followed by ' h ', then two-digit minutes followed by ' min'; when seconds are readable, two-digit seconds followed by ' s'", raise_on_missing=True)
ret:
6 h 39 min
